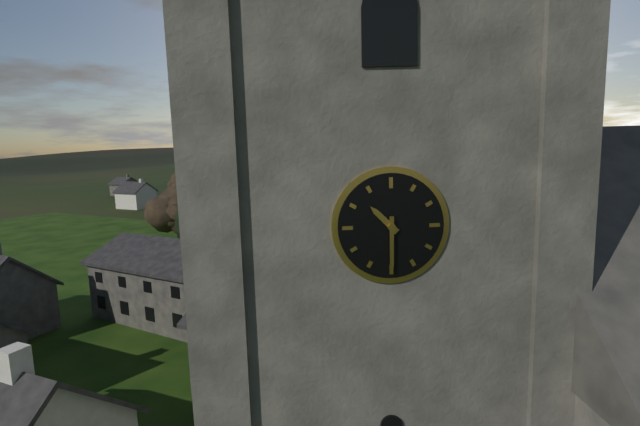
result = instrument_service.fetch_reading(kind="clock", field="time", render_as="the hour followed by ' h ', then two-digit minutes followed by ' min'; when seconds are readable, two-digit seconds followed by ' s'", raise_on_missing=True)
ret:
10 h 30 min
